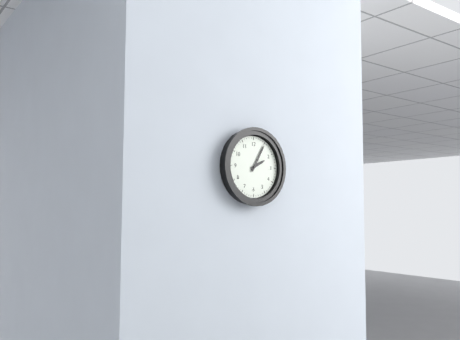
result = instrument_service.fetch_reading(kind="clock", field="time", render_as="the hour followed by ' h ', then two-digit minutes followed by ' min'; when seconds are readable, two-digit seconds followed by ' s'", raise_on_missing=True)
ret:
2 h 05 min
